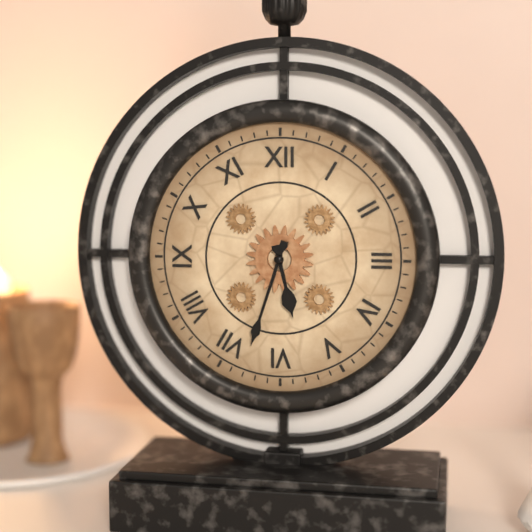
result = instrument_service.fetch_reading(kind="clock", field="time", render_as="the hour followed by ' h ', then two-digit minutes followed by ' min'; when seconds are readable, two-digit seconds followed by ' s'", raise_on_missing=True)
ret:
5 h 33 min
